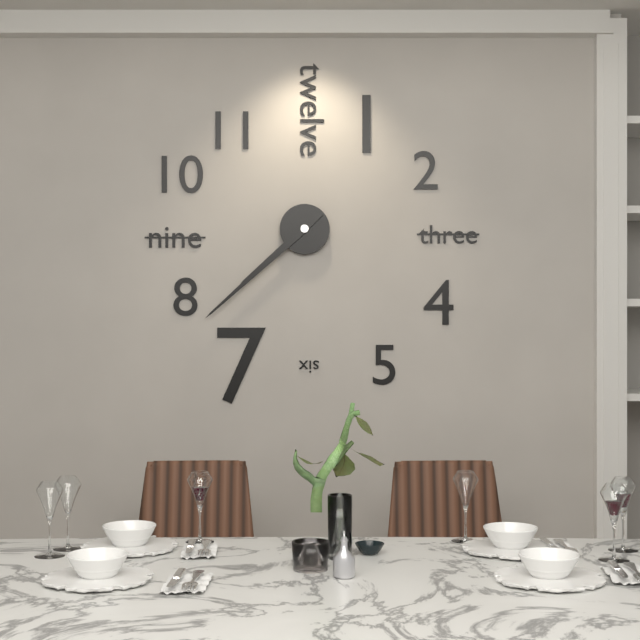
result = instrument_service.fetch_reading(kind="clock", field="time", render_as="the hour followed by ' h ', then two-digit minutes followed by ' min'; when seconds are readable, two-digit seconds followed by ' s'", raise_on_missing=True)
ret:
7 h 38 min
